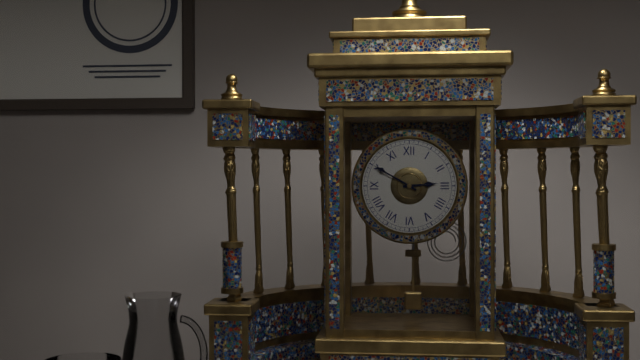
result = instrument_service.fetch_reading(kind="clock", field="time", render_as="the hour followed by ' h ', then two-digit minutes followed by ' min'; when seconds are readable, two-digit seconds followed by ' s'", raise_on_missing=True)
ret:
2 h 50 min
